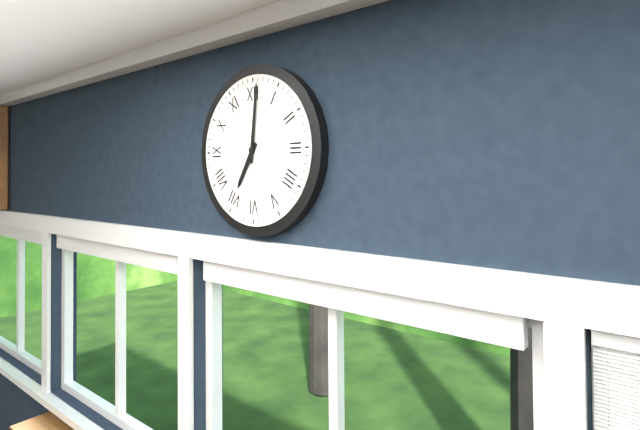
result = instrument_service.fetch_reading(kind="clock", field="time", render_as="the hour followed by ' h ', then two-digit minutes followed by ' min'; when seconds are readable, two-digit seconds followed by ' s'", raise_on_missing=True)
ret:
7 h 01 min
